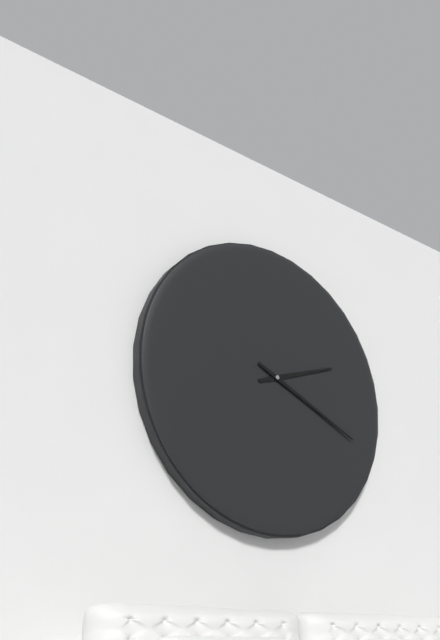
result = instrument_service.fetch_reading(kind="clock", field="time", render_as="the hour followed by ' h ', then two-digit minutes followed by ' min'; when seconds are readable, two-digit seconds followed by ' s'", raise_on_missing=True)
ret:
2 h 19 min
